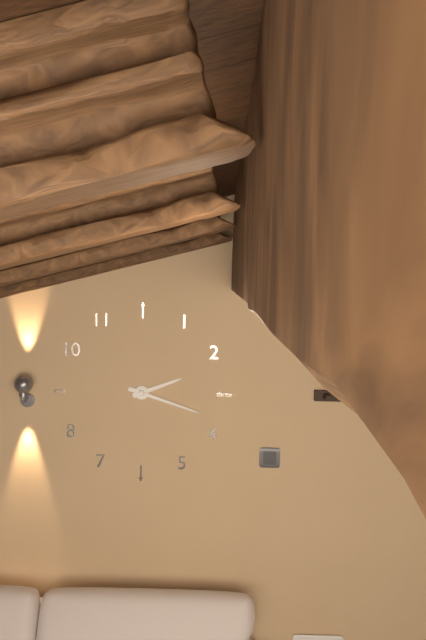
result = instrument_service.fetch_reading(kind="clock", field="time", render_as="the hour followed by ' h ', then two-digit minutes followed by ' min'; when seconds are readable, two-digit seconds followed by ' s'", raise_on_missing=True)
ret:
2 h 18 min
